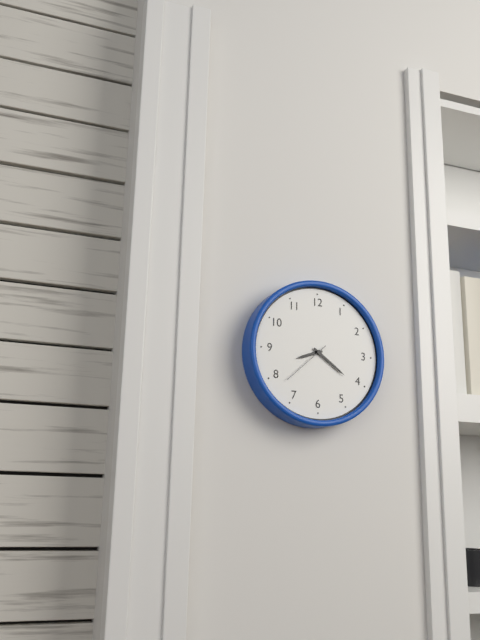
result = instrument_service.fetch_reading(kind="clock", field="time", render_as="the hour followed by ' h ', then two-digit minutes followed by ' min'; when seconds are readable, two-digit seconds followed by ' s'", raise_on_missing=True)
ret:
8 h 21 min 38 s
